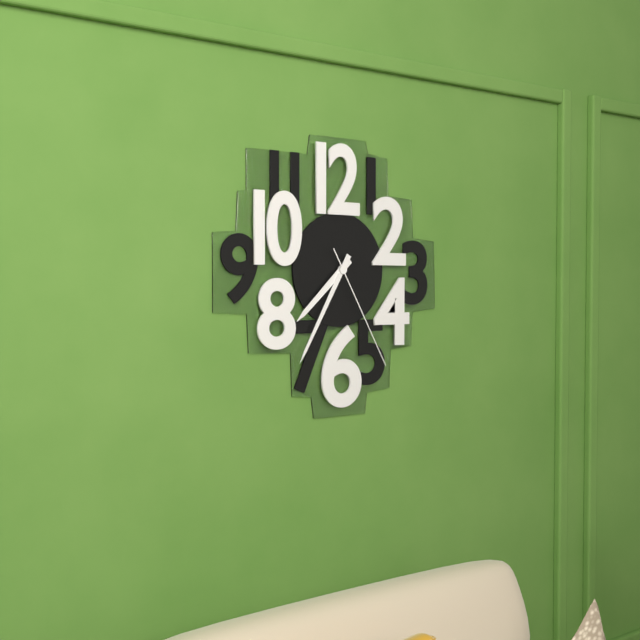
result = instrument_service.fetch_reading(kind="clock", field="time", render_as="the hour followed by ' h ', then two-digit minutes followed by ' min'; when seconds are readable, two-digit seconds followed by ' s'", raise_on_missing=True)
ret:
7 h 35 min 25 s
